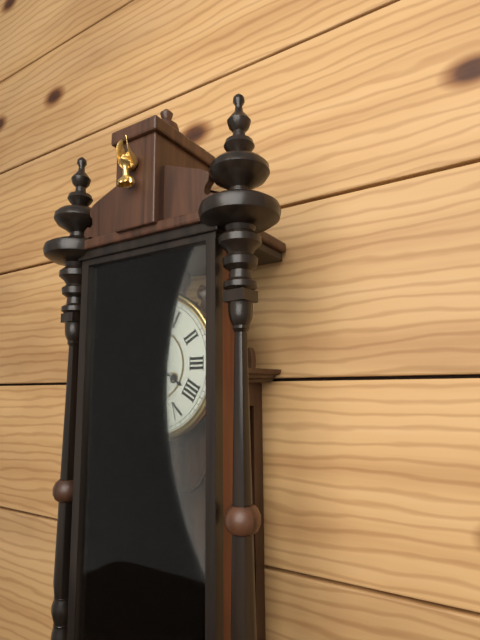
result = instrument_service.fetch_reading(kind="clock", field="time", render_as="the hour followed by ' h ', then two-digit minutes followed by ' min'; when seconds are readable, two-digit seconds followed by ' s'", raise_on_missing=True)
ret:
4 h 04 min
